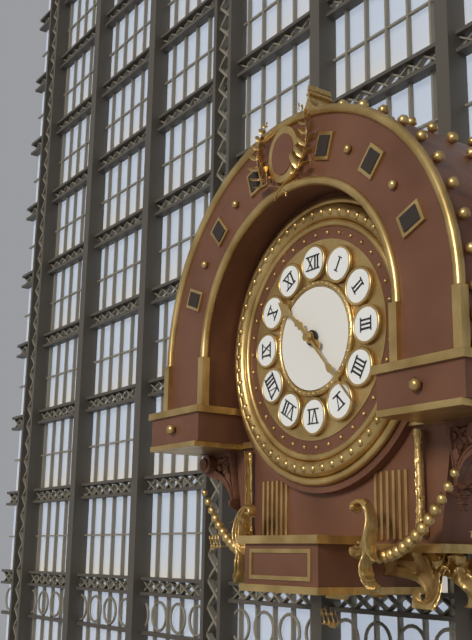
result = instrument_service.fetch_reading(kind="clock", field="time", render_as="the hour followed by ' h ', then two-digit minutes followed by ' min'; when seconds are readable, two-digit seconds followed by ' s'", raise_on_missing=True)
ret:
10 h 23 min
